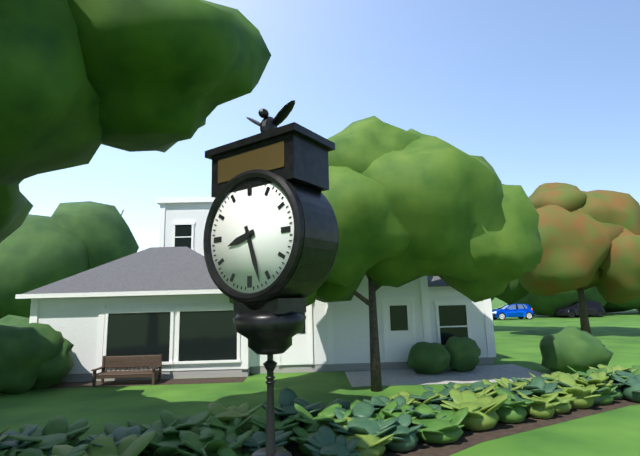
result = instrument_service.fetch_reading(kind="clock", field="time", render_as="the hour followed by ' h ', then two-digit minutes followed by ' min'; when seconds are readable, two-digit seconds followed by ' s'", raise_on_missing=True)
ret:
8 h 27 min
